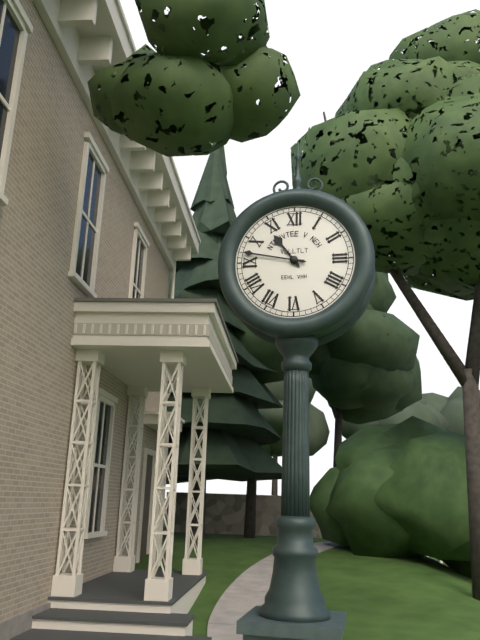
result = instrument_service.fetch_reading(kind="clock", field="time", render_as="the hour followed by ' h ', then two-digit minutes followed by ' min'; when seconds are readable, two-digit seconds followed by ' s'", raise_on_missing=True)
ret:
10 h 47 min
